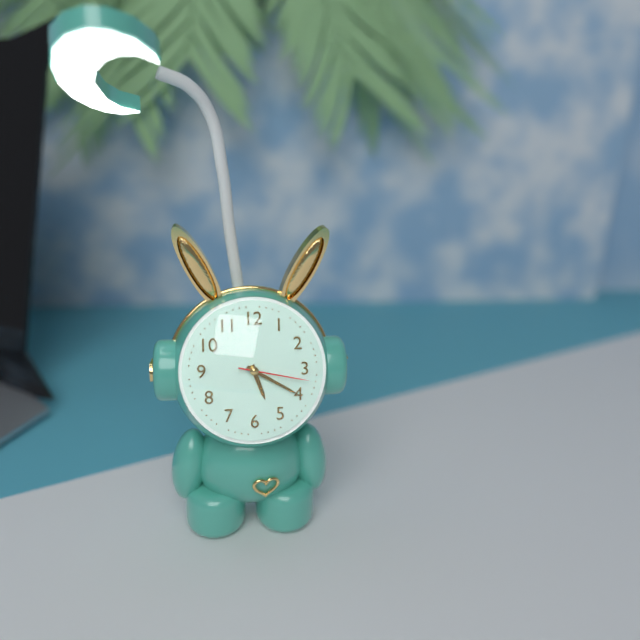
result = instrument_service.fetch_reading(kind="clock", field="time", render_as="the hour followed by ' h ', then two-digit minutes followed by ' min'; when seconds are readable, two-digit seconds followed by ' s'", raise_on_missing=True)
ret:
5 h 20 min 17 s
